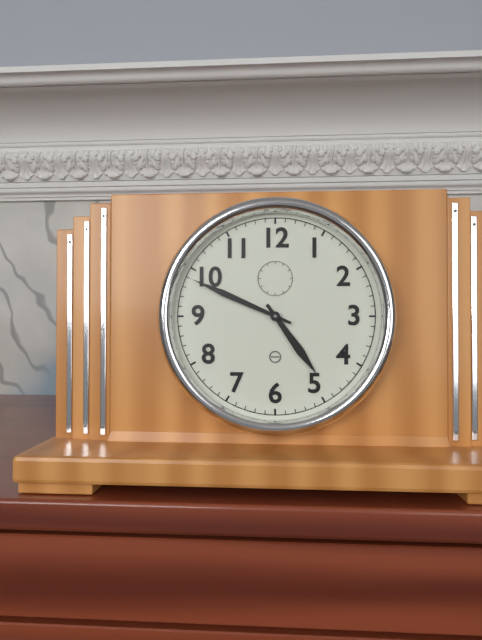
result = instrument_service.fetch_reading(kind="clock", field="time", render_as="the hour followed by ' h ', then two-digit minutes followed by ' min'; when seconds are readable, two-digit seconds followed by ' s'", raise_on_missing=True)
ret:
4 h 49 min
